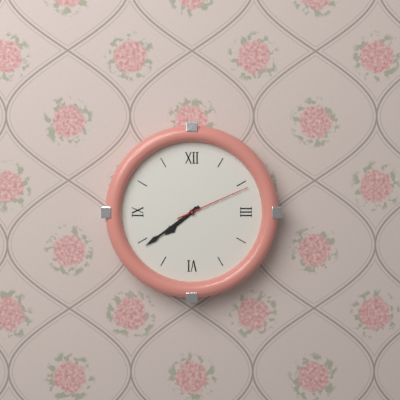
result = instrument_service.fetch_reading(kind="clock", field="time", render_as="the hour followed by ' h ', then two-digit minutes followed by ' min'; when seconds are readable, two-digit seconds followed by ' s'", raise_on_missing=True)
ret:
7 h 39 min 11 s
